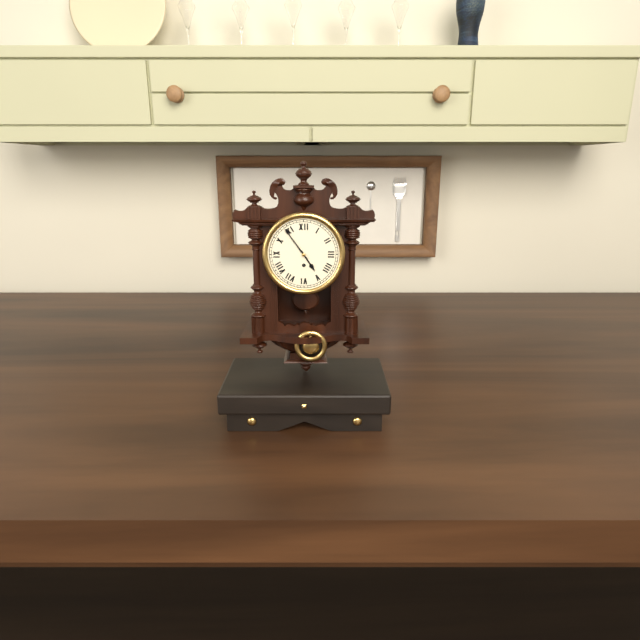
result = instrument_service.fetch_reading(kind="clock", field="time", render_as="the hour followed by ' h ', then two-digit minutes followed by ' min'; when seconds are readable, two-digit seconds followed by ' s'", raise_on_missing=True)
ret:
4 h 54 min
